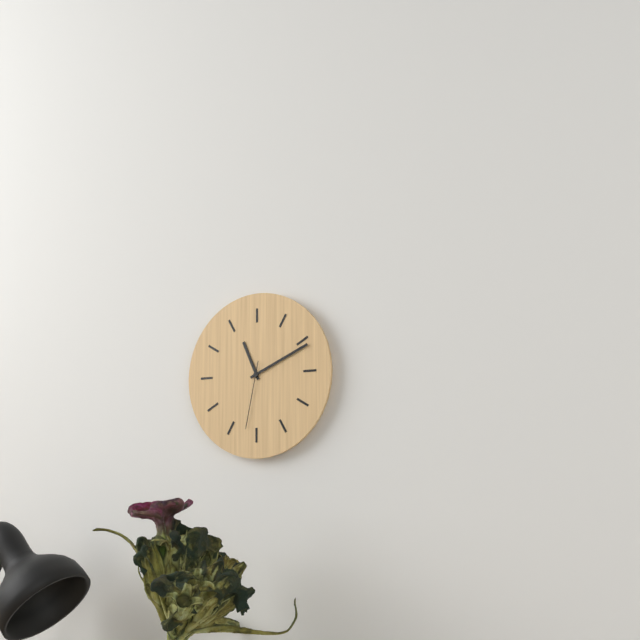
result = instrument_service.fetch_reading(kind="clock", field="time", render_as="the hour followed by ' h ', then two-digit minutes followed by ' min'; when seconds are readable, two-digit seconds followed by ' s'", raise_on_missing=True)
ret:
11 h 11 min 32 s
